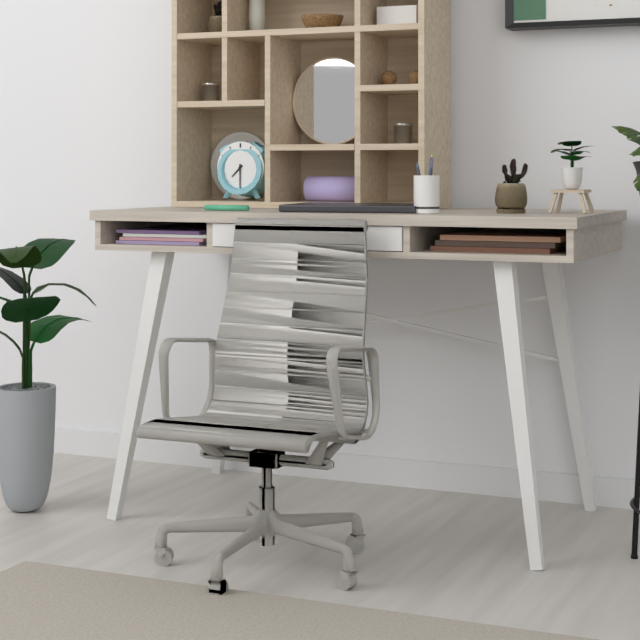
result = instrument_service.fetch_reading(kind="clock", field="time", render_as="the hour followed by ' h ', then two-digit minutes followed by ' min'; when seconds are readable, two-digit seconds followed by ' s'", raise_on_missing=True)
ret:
7 h 30 min
